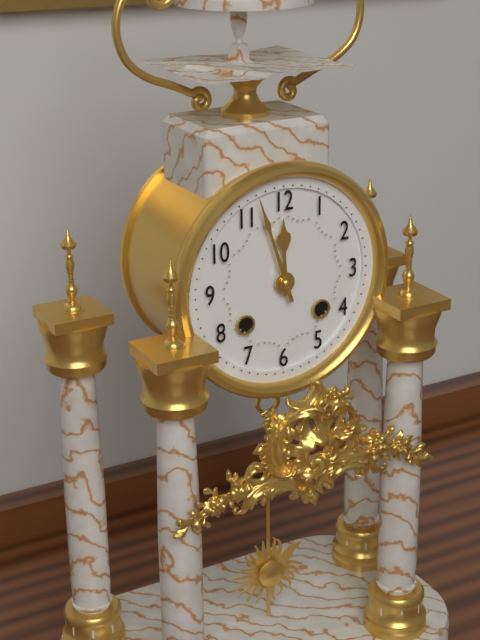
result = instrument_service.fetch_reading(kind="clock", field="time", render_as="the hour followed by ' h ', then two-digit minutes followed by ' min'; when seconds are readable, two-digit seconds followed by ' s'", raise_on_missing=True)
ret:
11 h 57 min
